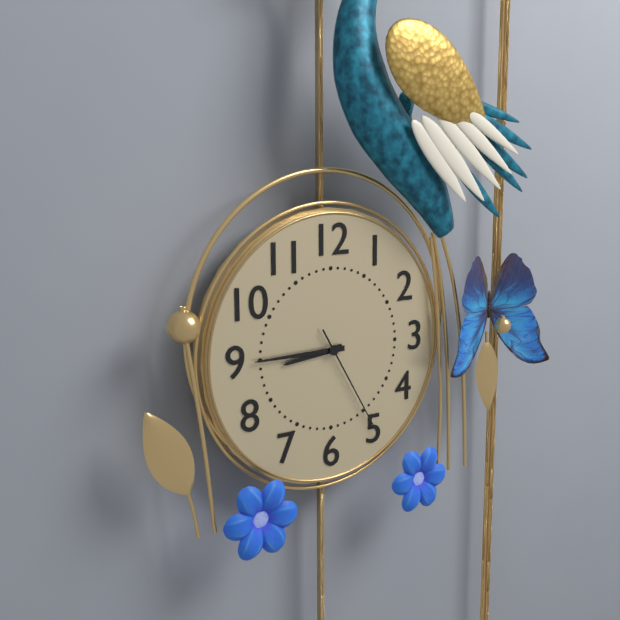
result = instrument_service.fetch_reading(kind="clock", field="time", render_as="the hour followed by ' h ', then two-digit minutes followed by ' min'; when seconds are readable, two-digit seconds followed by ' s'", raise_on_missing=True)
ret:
8 h 45 min 25 s
